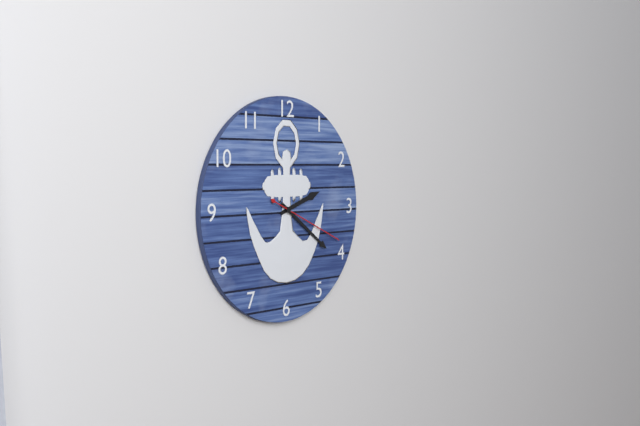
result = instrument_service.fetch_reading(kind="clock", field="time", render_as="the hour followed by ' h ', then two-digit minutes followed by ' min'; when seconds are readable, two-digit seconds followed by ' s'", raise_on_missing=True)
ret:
2 h 21 min 19 s
